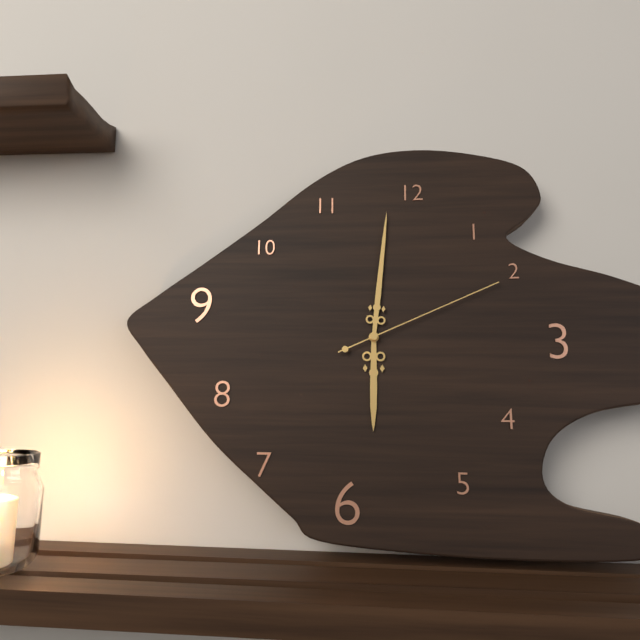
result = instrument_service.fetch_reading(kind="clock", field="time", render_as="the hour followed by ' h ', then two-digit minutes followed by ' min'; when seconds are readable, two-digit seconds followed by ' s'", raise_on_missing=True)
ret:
6 h 01 min 11 s
